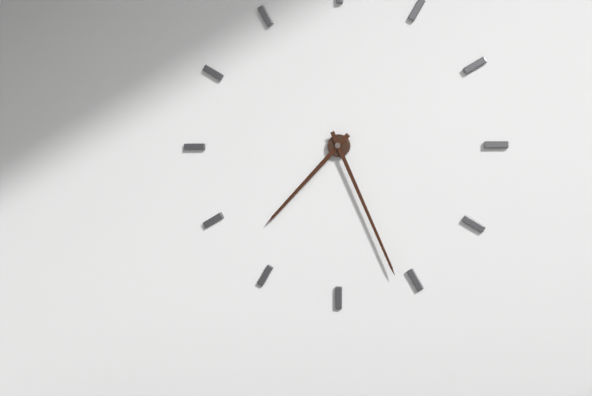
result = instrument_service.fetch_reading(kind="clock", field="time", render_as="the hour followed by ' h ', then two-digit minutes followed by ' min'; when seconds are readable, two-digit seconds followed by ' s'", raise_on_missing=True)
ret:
7 h 26 min
